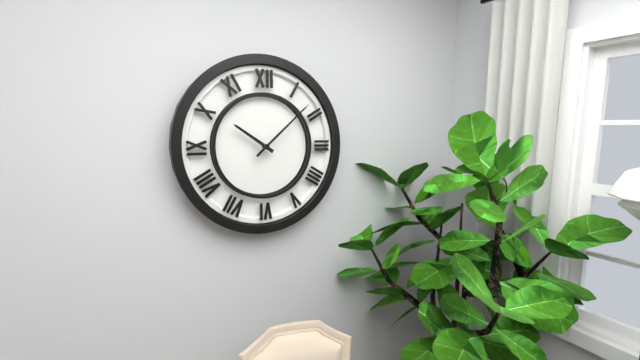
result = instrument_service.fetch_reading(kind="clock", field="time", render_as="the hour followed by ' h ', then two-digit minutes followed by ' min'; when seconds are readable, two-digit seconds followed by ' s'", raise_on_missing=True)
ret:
10 h 08 min
